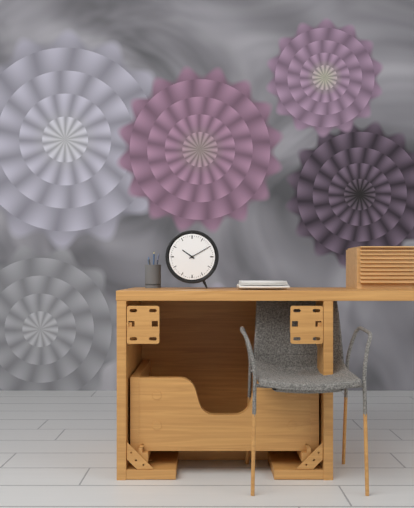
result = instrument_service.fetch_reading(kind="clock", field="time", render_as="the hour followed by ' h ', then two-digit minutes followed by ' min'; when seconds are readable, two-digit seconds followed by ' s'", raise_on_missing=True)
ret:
10 h 10 min
